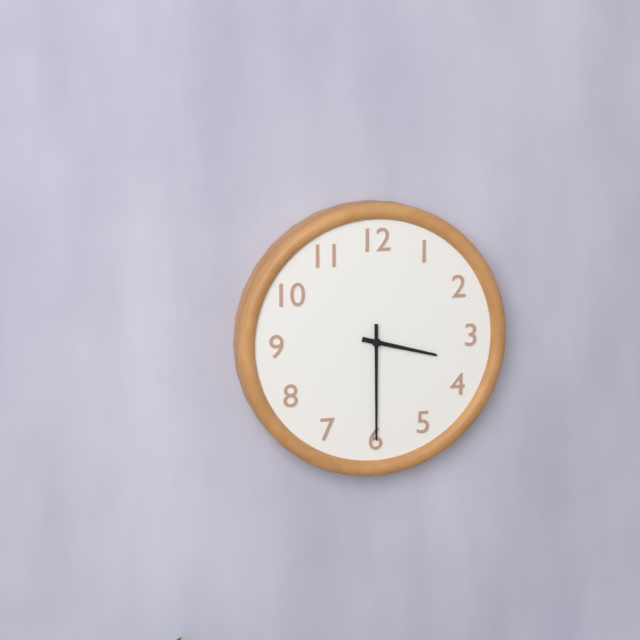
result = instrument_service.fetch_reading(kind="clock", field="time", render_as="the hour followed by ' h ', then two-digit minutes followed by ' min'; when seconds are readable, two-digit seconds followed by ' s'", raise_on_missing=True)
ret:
3 h 30 min
